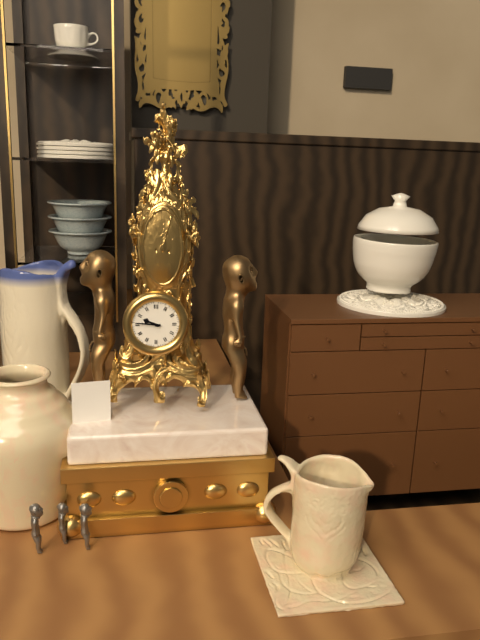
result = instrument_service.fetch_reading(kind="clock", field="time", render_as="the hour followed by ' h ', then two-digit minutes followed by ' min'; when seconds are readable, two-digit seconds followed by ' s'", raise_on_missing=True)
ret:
9 h 46 min
